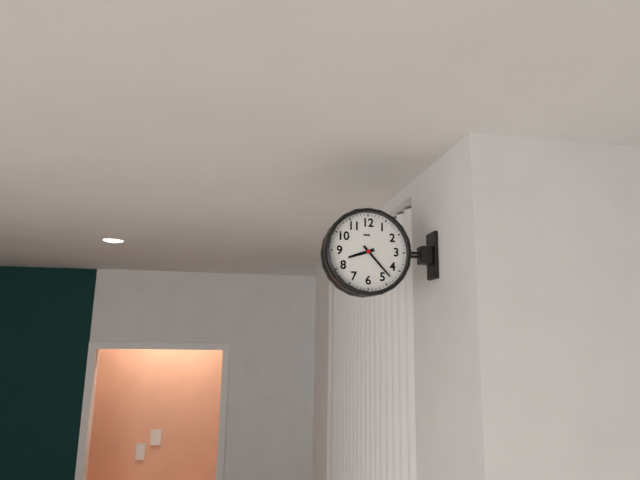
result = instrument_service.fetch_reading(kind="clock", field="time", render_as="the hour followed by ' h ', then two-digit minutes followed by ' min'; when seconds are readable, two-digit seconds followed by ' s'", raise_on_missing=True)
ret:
8 h 23 min
